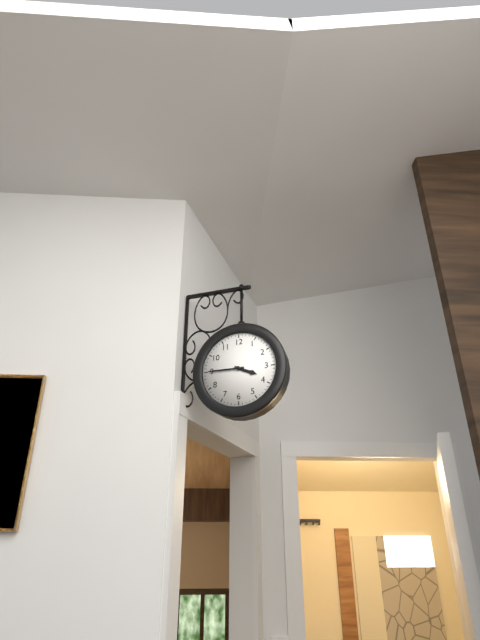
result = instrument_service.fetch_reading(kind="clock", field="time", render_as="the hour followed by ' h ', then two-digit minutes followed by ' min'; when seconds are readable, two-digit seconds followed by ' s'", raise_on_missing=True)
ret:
3 h 45 min
